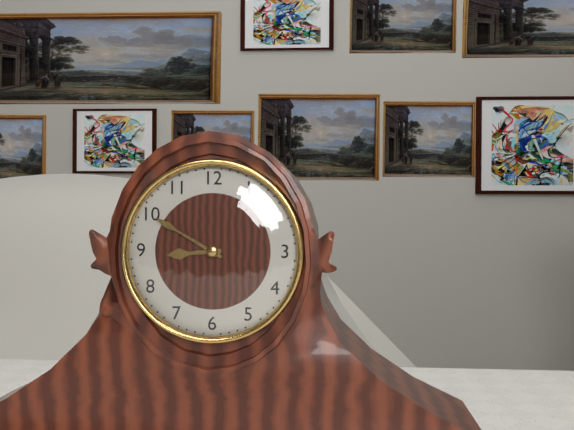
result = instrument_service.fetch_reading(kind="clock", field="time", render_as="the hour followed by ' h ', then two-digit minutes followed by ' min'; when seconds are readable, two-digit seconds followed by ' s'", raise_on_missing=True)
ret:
8 h 50 min
